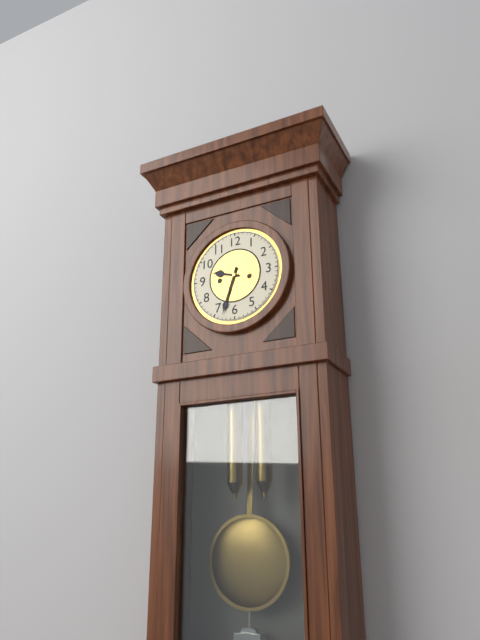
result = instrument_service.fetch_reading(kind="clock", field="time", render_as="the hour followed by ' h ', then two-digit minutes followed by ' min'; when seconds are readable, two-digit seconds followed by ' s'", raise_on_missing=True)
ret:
9 h 33 min
